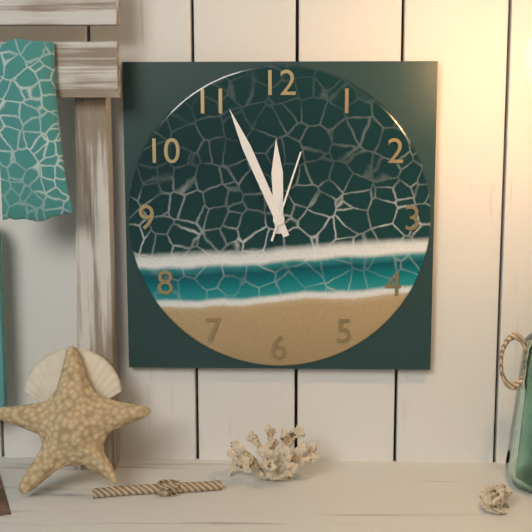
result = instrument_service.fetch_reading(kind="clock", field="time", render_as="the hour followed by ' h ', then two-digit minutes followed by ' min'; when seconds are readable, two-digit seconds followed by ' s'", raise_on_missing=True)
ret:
11 h 56 min 03 s
